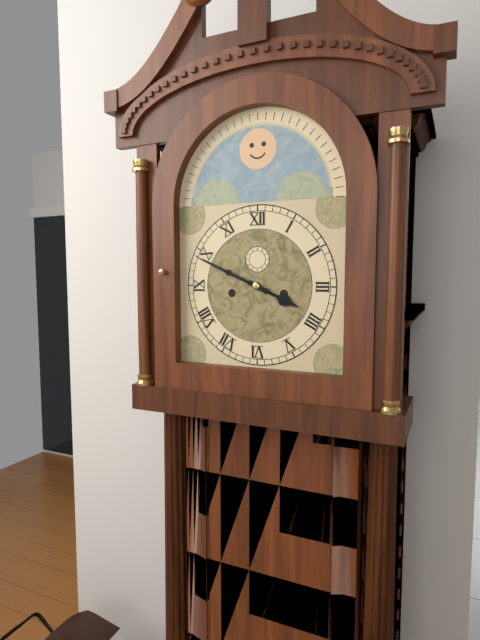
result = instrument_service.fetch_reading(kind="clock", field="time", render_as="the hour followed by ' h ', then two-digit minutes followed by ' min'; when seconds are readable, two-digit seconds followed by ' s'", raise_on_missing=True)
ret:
3 h 49 min
